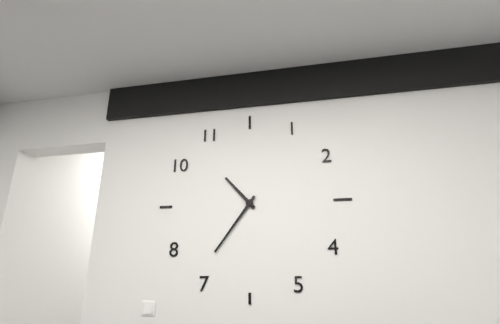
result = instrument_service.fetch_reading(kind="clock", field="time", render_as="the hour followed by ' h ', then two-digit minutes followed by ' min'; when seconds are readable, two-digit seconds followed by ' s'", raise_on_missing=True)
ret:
10 h 36 min
